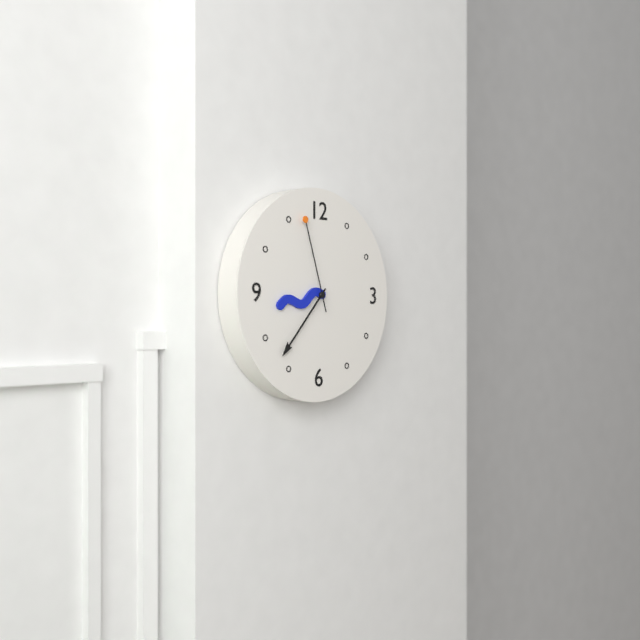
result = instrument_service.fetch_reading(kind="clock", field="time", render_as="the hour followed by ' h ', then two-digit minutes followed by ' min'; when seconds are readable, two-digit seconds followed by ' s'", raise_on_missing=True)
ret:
8 h 37 min 57 s
